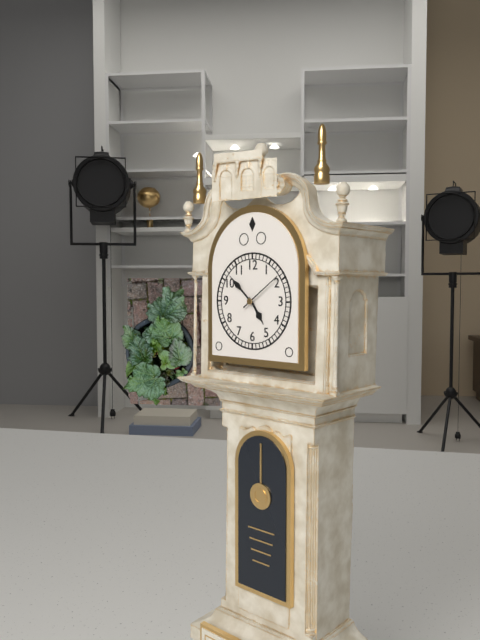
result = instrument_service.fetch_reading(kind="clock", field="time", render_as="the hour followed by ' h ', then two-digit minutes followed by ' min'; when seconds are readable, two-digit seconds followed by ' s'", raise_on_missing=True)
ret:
4 h 52 min
